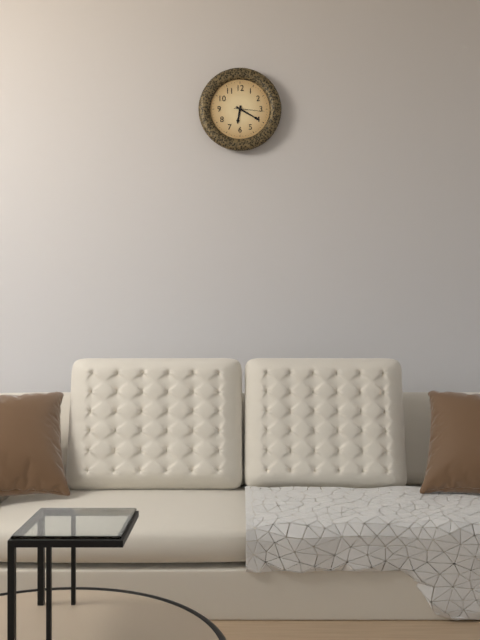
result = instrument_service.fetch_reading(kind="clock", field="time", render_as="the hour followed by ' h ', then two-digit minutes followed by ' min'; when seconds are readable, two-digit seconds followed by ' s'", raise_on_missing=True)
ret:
6 h 20 min
